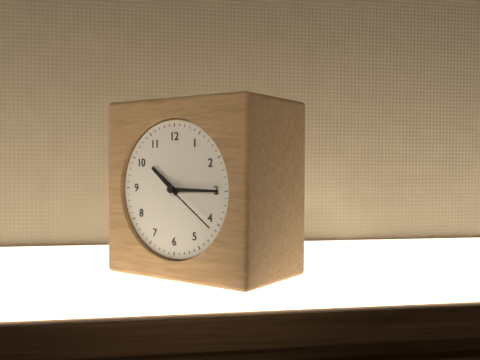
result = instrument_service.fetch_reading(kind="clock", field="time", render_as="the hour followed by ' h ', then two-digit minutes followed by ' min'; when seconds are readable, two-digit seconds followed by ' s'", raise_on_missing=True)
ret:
10 h 15 min 21 s
